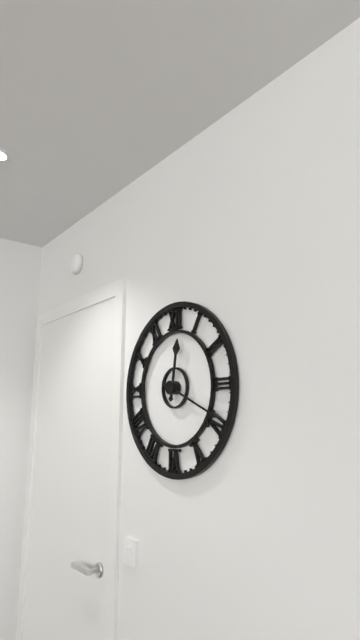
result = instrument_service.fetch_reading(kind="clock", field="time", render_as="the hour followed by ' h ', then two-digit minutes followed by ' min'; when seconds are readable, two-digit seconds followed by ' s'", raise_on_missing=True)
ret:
12 h 19 min
